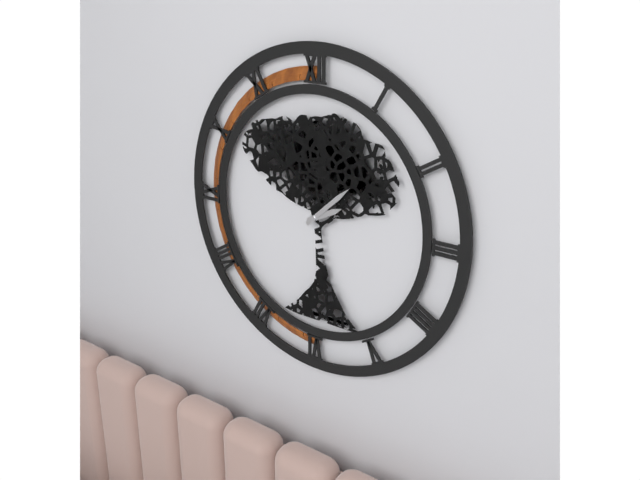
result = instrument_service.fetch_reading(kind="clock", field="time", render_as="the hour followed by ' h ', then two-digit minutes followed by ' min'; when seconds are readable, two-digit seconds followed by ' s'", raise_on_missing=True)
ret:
2 h 08 min
